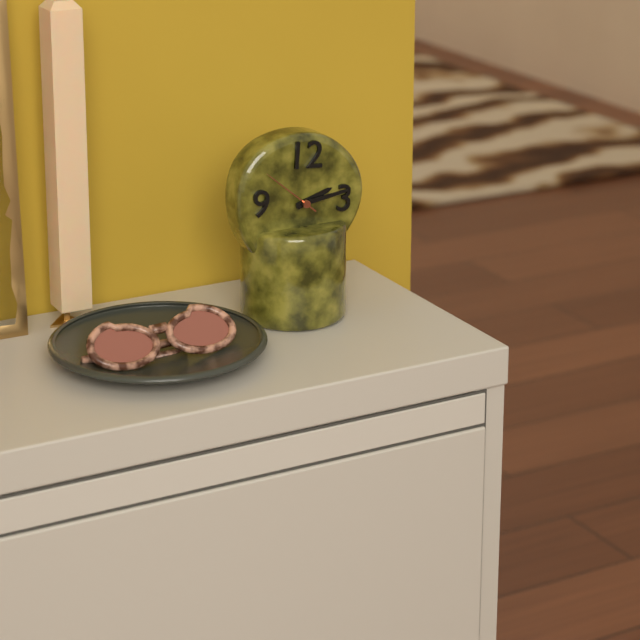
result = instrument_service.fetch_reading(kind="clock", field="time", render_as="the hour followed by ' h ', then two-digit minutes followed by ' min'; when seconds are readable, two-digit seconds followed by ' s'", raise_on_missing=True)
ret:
2 h 13 min 51 s
